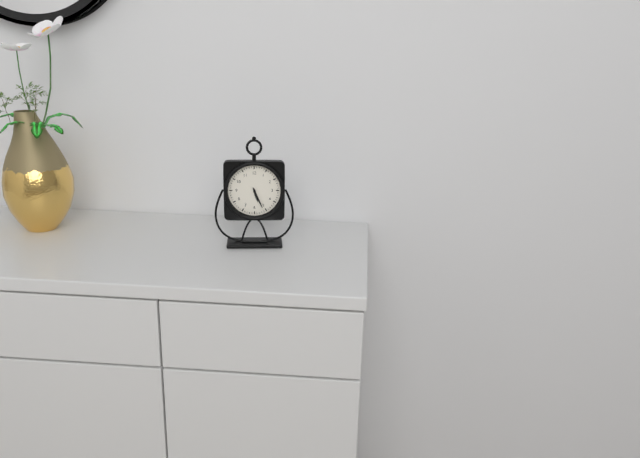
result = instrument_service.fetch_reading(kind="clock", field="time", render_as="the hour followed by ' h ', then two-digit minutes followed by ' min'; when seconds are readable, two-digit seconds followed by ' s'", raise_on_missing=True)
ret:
5 h 26 min
